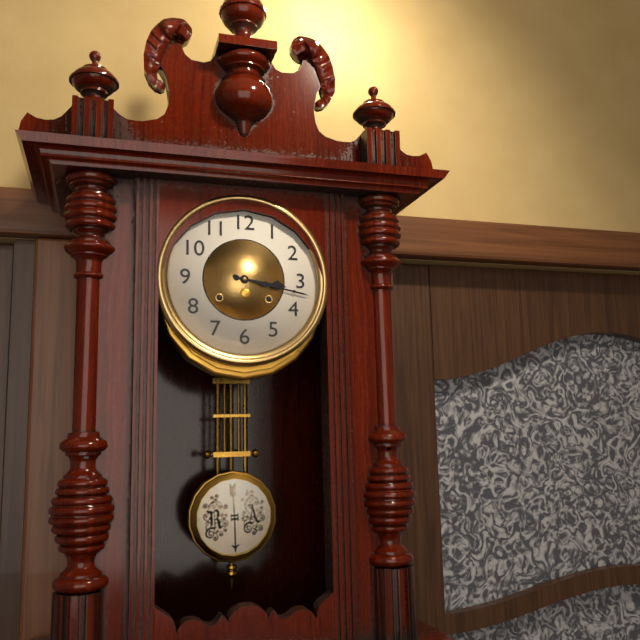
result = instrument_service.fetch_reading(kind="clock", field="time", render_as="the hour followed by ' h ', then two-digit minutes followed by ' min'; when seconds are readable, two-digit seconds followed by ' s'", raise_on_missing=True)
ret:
3 h 17 min
